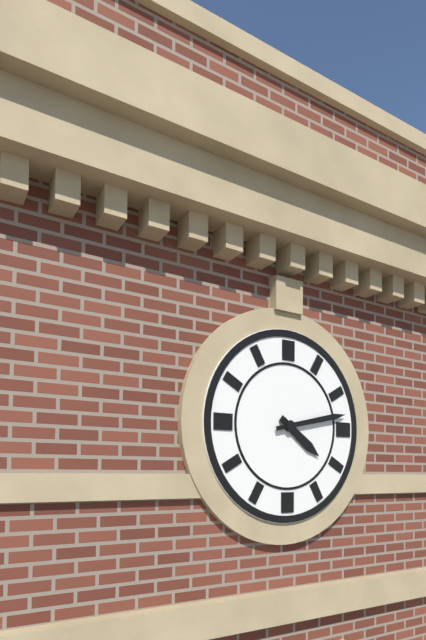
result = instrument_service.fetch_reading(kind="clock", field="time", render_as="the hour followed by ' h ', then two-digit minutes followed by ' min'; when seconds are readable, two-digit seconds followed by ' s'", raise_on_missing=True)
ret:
4 h 13 min
